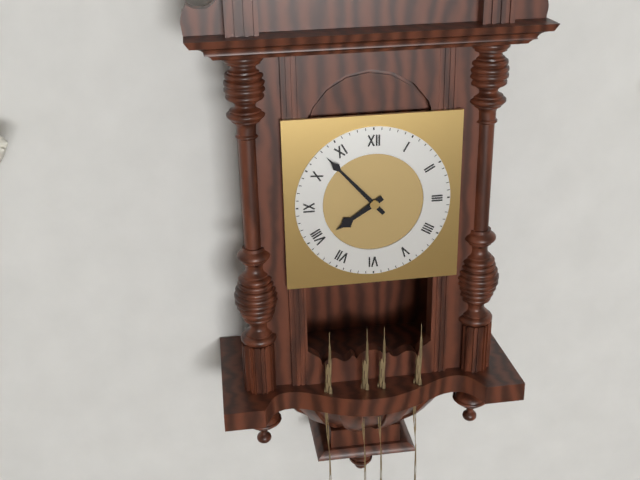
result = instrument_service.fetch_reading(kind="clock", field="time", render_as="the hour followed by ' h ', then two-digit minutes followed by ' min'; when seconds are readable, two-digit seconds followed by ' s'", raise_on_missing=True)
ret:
7 h 53 min
